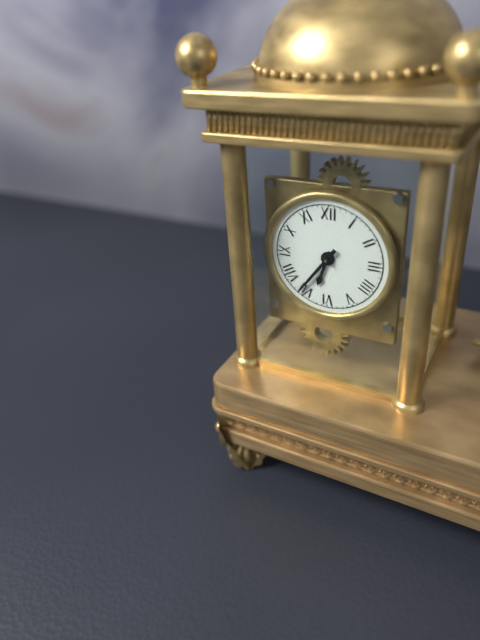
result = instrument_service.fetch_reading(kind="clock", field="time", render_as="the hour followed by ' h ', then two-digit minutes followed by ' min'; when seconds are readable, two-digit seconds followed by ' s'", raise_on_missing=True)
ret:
6 h 36 min
